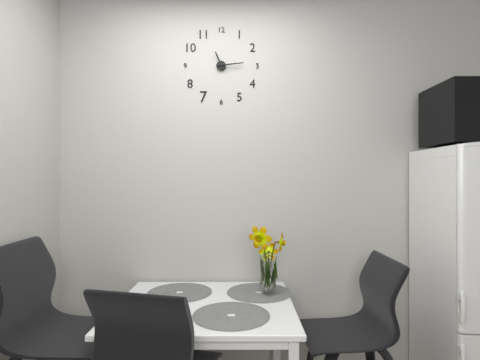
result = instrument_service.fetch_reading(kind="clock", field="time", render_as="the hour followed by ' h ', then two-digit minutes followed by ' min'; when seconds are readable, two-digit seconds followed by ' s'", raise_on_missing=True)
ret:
11 h 14 min
